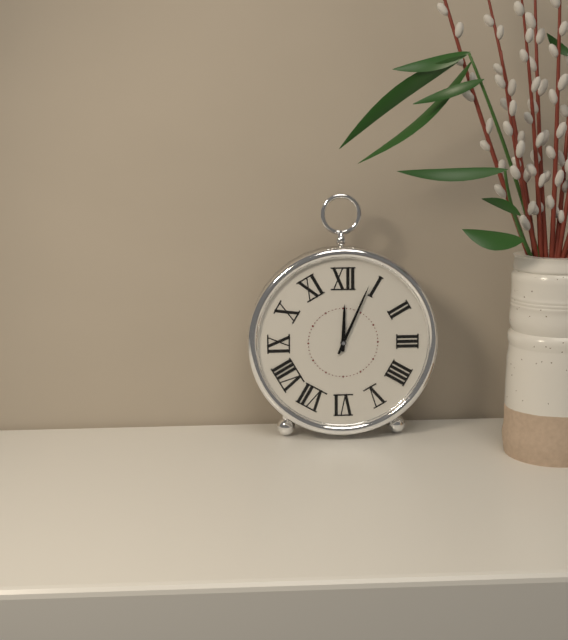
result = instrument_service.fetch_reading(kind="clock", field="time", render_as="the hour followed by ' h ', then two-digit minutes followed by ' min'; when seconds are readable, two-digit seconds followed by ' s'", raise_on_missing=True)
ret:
12 h 04 min
